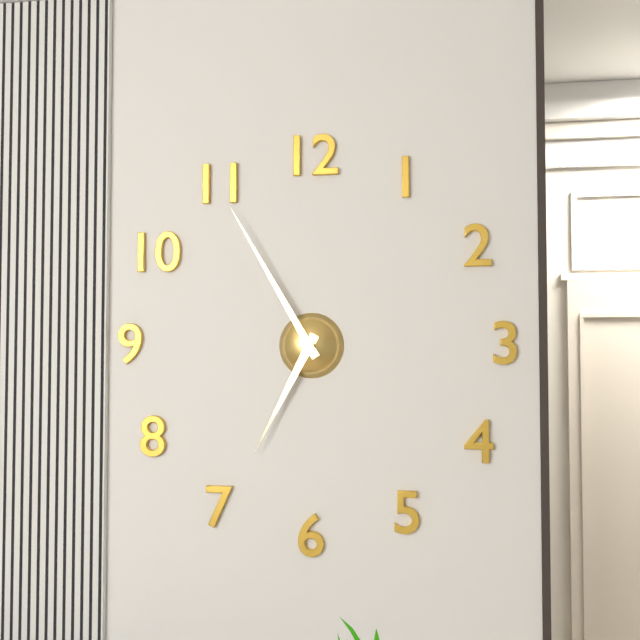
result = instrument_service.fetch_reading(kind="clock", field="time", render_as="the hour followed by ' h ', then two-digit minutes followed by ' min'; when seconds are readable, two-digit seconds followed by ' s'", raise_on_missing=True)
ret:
6 h 55 min
